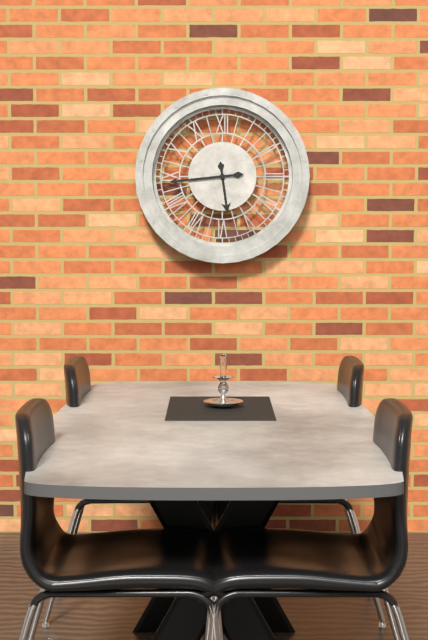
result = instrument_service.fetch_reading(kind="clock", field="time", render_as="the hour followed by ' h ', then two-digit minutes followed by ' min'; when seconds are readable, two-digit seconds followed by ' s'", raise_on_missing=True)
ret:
5 h 44 min
